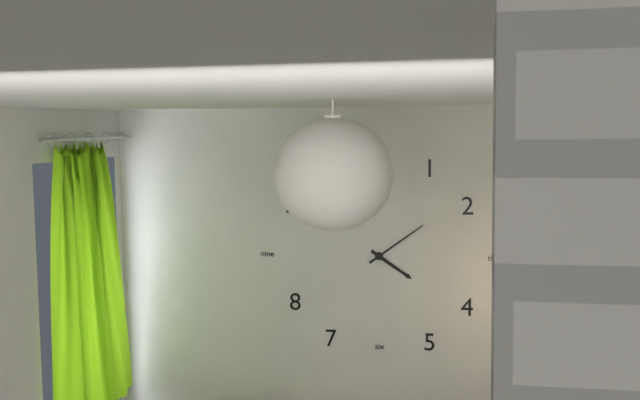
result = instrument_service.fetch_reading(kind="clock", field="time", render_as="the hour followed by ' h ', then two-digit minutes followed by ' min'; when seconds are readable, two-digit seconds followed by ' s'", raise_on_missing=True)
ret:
4 h 09 min
